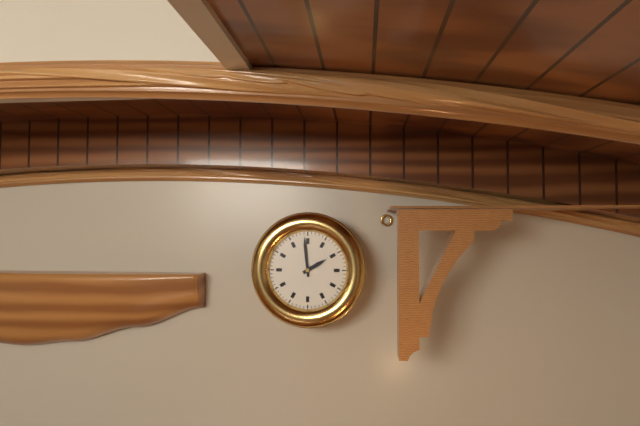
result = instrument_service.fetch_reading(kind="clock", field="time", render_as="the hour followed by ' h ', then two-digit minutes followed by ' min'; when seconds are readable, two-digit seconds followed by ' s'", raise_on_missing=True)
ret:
1 h 59 min
